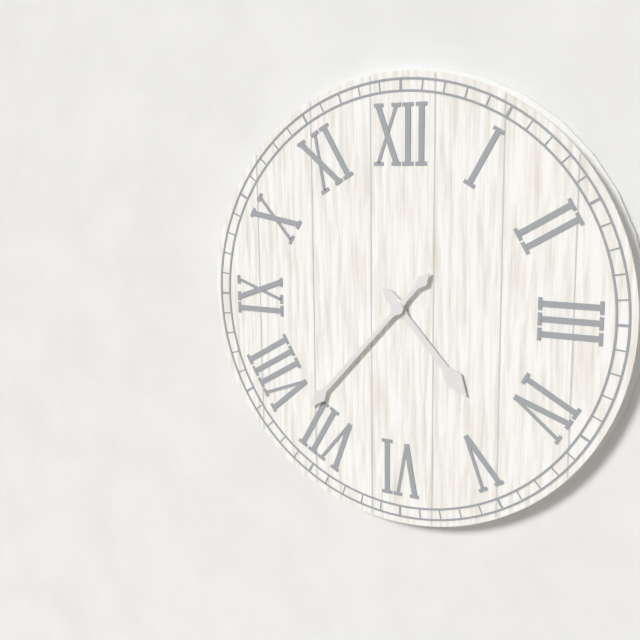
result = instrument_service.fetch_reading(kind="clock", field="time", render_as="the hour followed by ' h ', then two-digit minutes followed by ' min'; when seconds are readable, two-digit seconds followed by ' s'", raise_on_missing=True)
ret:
4 h 37 min
